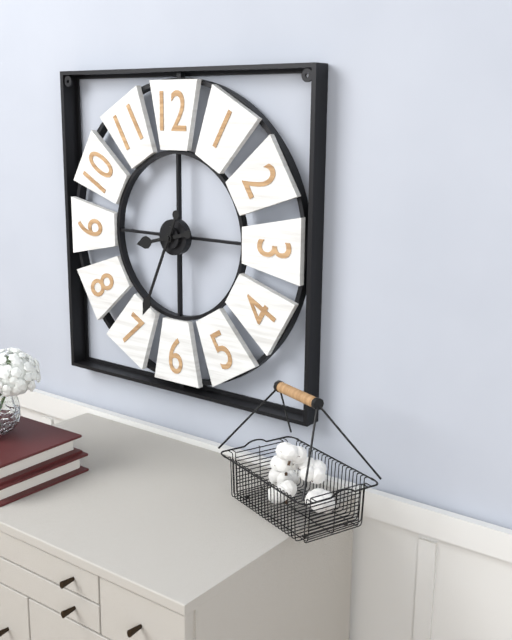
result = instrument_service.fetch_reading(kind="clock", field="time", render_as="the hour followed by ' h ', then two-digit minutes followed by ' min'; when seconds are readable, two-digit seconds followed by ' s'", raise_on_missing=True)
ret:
8 h 34 min
